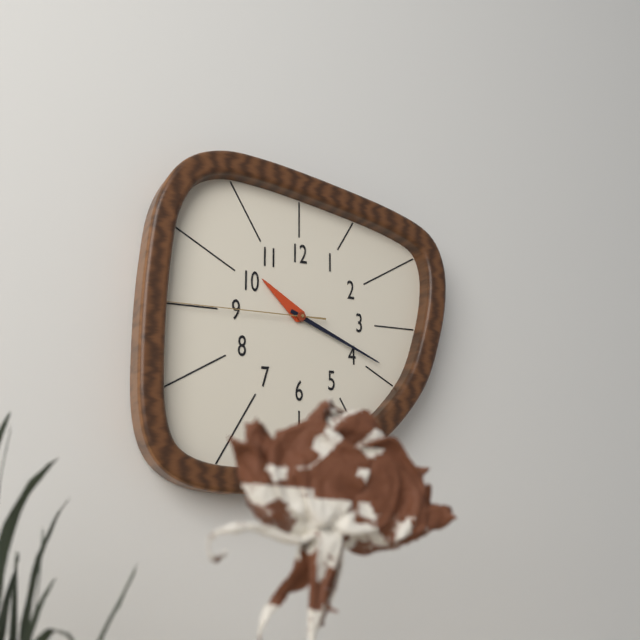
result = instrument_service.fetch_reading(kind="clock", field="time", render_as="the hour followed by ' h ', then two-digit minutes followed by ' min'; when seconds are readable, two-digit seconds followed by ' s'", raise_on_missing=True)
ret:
10 h 19 min 45 s
